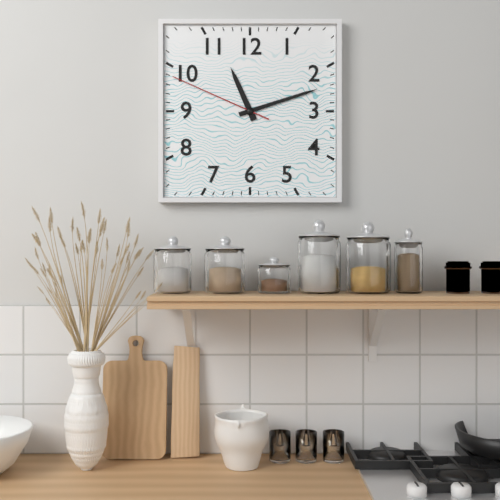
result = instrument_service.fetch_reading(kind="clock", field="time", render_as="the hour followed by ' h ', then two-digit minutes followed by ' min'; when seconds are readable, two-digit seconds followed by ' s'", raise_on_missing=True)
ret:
11 h 12 min 49 s
